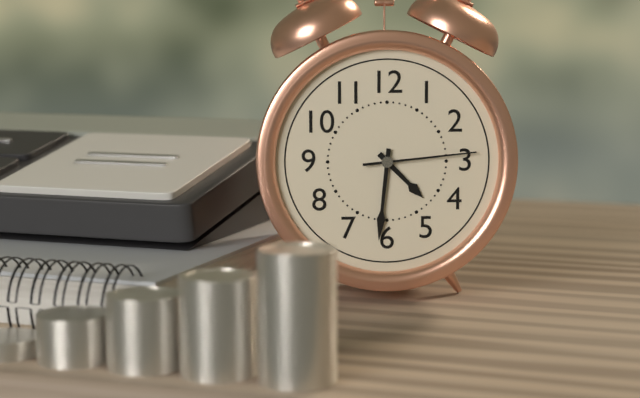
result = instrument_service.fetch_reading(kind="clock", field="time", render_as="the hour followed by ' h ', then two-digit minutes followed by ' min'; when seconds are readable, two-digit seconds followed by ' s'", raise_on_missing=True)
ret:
4 h 31 min 14 s
